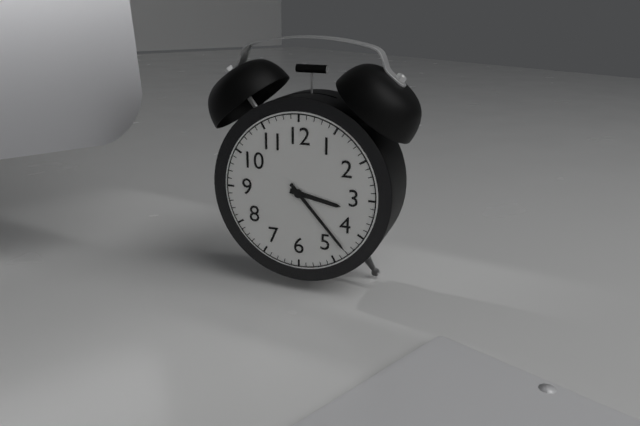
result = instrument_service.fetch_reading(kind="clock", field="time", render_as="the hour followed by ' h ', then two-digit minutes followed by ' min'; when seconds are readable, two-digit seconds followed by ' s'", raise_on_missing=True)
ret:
3 h 23 min
